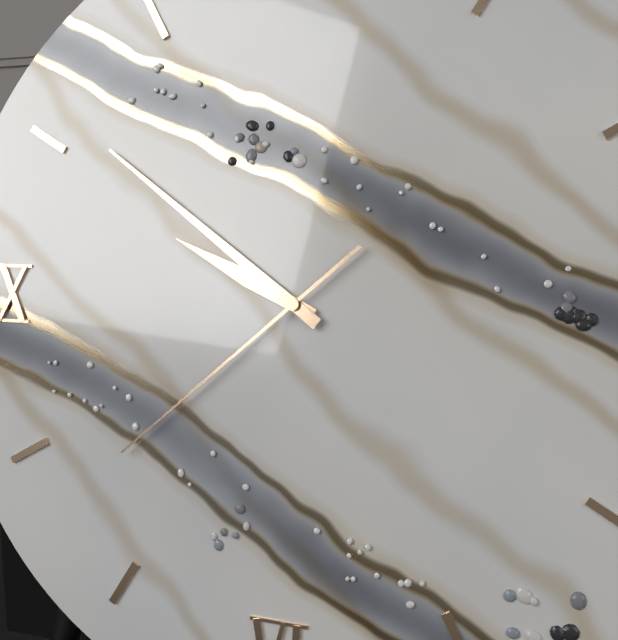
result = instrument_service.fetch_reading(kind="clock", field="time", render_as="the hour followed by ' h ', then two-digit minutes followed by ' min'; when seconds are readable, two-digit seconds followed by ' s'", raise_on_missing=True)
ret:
9 h 51 min 38 s
